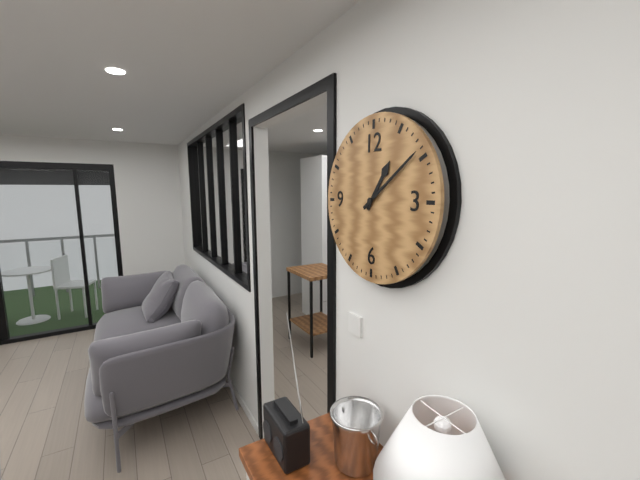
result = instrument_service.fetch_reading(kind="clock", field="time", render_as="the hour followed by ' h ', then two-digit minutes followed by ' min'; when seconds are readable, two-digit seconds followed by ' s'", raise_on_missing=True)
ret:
1 h 09 min
